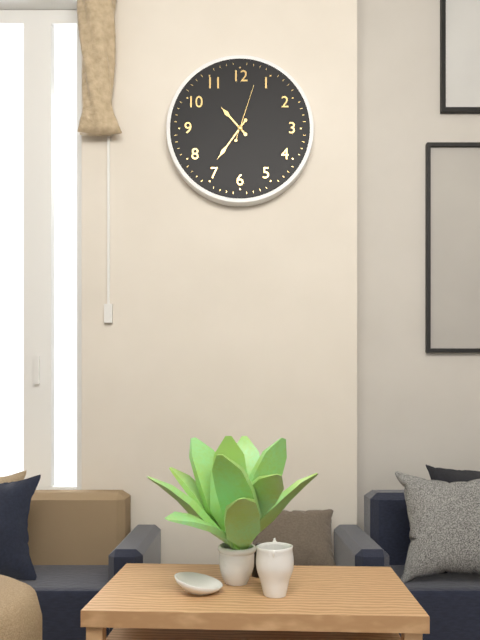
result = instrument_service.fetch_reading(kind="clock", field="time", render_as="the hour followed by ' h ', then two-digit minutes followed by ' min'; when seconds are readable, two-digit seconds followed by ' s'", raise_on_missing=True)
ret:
10 h 36 min 03 s
